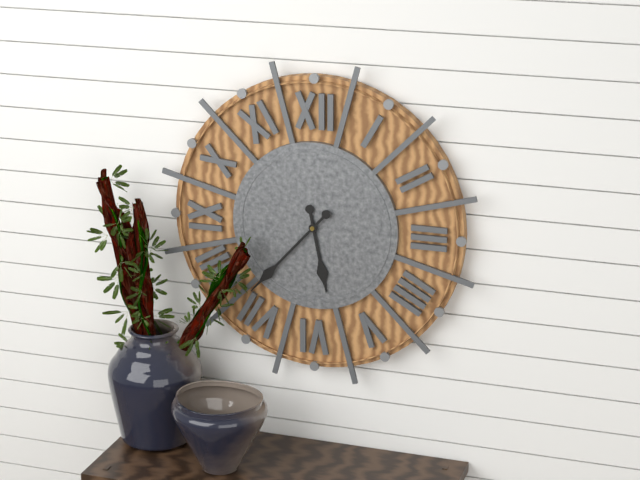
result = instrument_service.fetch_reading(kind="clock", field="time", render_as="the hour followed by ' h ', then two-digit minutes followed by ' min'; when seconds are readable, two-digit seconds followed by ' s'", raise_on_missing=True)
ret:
5 h 37 min
